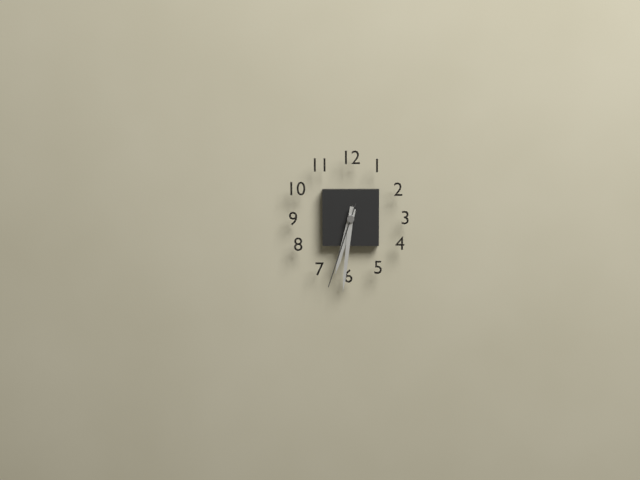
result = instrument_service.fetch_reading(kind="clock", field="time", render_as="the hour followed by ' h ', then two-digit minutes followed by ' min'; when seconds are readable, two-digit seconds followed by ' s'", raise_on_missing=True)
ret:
6 h 31 min 33 s
